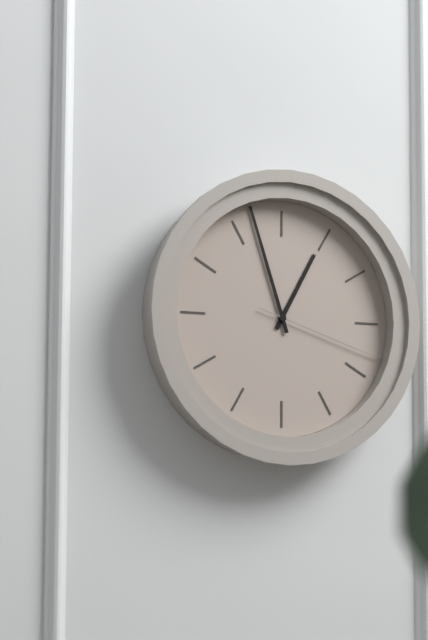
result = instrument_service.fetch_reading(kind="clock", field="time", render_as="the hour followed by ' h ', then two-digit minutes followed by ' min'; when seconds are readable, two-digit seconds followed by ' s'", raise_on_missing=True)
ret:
12 h 57 min 18 s
